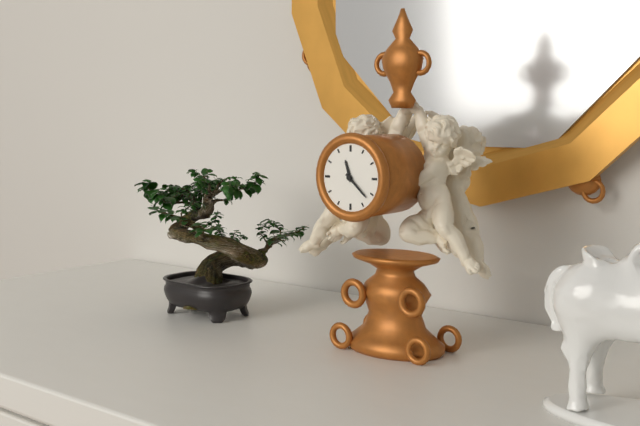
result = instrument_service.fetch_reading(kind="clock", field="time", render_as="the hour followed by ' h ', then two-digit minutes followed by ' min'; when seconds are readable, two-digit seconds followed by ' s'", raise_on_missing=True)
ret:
11 h 22 min
